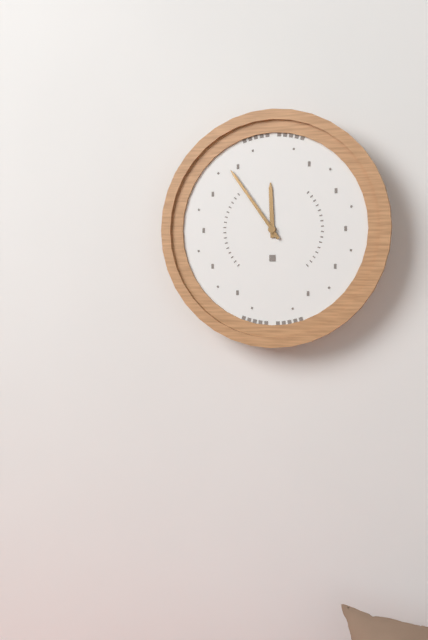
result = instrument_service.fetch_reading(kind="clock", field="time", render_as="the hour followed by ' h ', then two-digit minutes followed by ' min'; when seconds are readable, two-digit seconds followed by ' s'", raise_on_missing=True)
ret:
11 h 54 min
